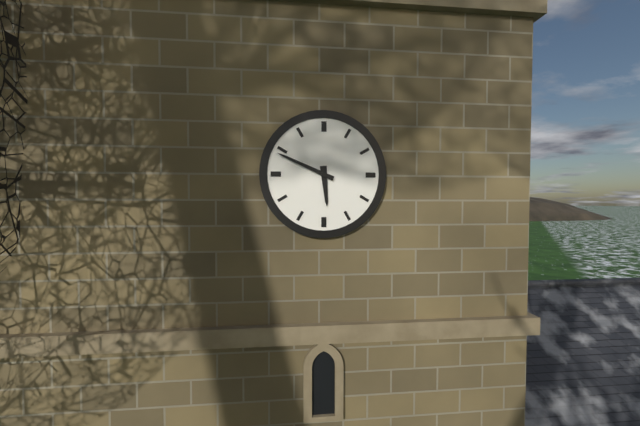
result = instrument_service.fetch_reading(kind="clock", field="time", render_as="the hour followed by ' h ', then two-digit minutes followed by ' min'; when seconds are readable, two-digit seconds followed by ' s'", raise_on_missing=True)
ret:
5 h 49 min
